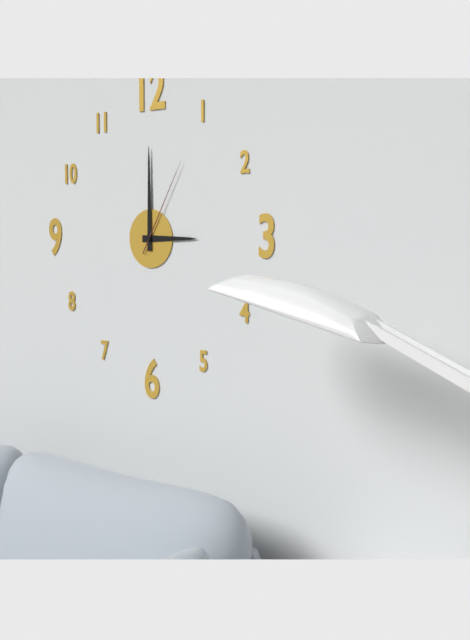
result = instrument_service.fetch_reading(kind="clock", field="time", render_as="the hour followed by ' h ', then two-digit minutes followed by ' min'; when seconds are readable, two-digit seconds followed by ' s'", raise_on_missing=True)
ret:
3 h 00 min 05 s
